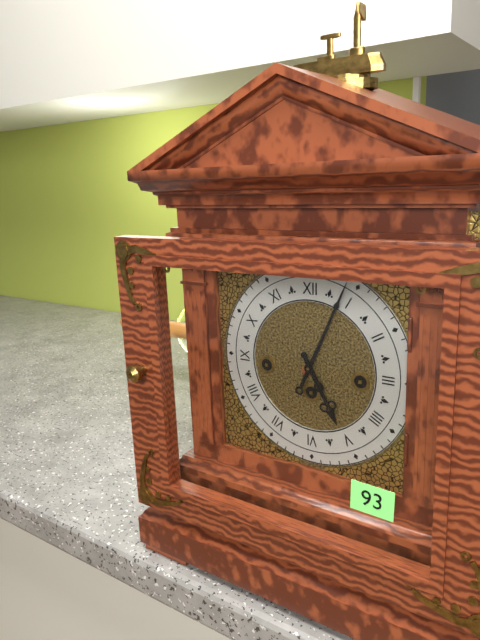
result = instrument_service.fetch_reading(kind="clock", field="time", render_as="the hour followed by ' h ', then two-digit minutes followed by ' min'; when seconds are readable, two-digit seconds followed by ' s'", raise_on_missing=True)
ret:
5 h 04 min
